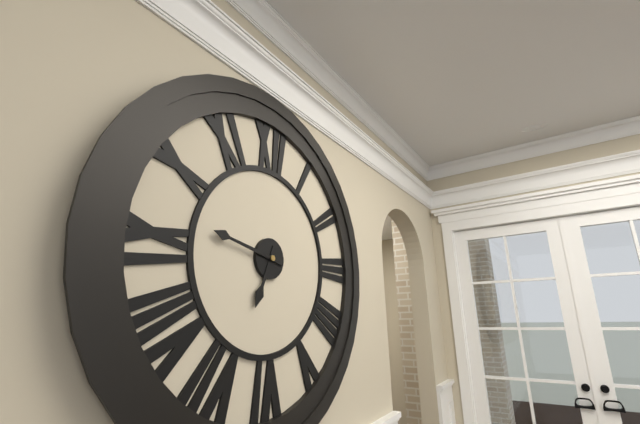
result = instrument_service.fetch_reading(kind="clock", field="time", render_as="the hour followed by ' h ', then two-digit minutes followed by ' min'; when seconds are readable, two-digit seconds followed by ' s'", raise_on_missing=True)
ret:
6 h 47 min
